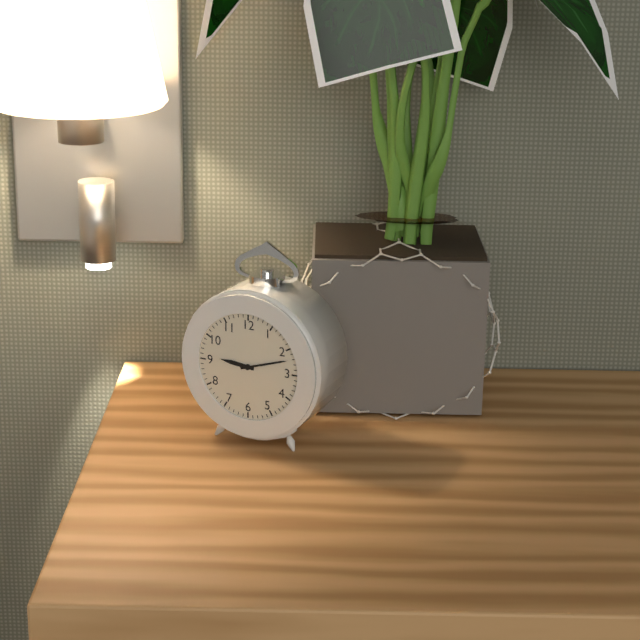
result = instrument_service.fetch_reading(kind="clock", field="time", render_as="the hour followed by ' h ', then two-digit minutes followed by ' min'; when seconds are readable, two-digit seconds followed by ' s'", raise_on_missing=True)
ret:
9 h 12 min
